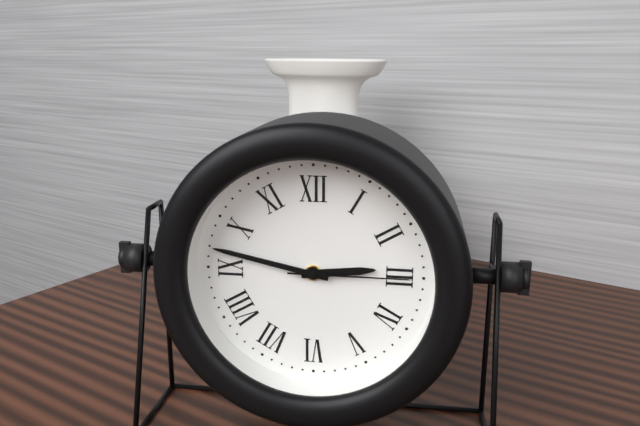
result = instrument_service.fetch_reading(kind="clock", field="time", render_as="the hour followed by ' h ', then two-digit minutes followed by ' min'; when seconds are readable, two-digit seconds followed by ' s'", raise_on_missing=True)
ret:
2 h 47 min 15 s
